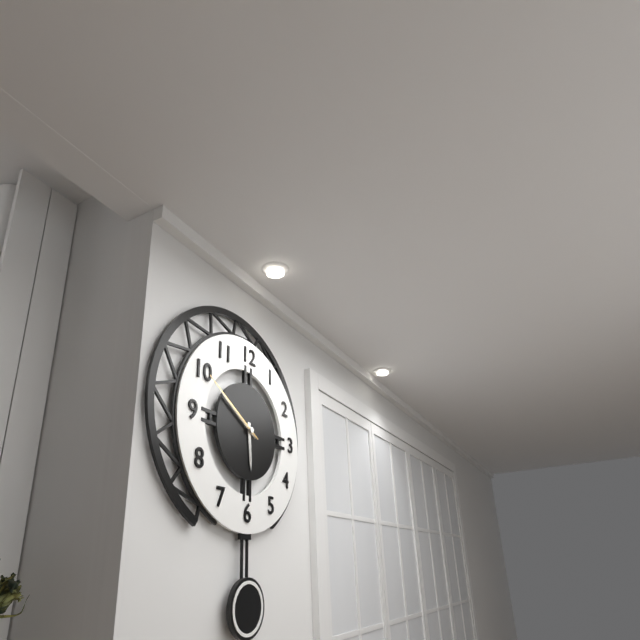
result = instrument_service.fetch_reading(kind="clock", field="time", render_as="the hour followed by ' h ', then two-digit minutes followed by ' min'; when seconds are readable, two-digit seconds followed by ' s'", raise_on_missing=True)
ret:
5 h 50 min 50 s
